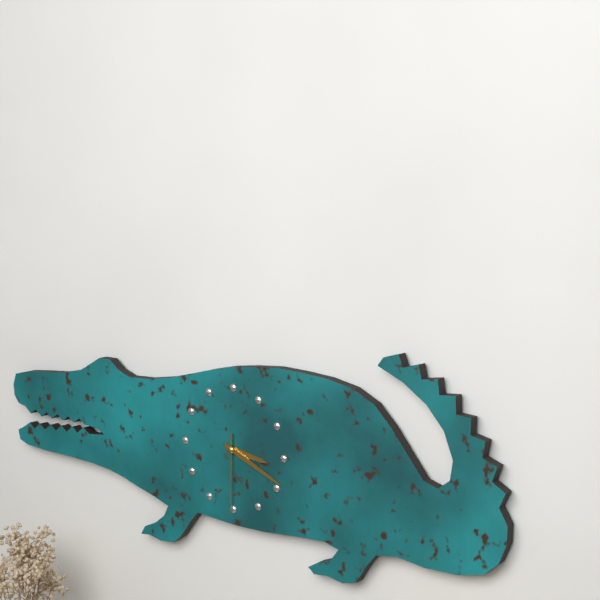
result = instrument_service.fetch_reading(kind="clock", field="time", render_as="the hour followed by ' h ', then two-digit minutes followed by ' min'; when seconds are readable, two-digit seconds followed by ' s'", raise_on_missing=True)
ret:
3 h 19 min 30 s
